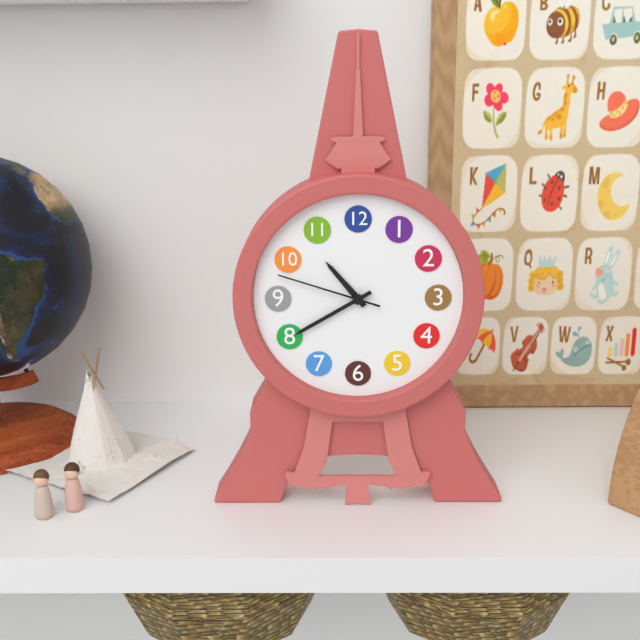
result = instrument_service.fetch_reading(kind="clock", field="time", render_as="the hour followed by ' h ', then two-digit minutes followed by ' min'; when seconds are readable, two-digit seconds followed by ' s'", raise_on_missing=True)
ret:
10 h 40 min 48 s
